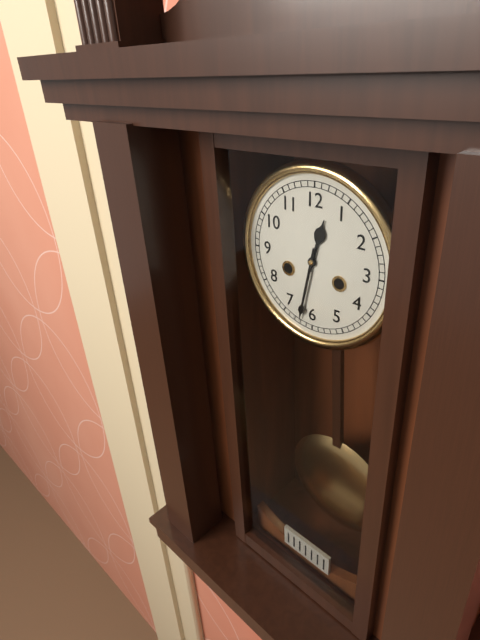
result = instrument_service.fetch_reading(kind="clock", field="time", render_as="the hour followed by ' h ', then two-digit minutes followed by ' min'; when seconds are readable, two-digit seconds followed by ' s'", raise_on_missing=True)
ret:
12 h 32 min
